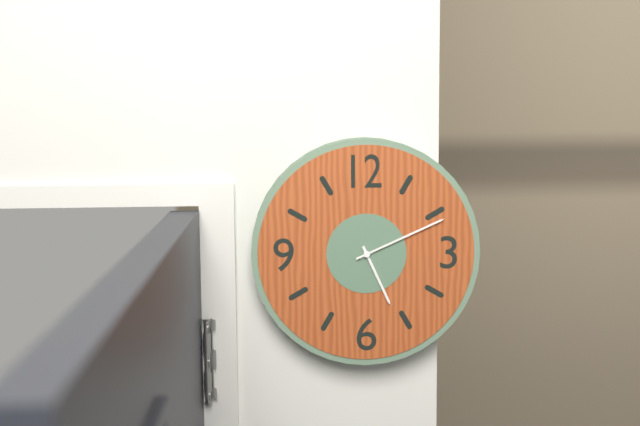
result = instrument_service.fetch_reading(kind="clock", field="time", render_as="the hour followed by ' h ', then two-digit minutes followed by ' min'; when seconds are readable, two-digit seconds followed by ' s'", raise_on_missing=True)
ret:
5 h 11 min
